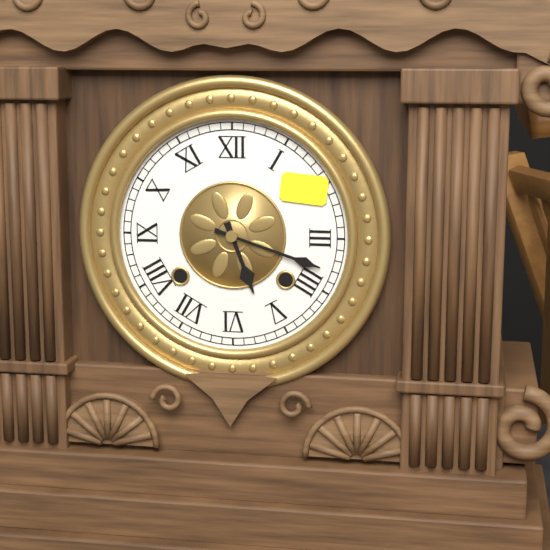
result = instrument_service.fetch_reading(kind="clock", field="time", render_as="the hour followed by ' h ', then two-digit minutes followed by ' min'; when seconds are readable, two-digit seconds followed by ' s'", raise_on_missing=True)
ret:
5 h 18 min
